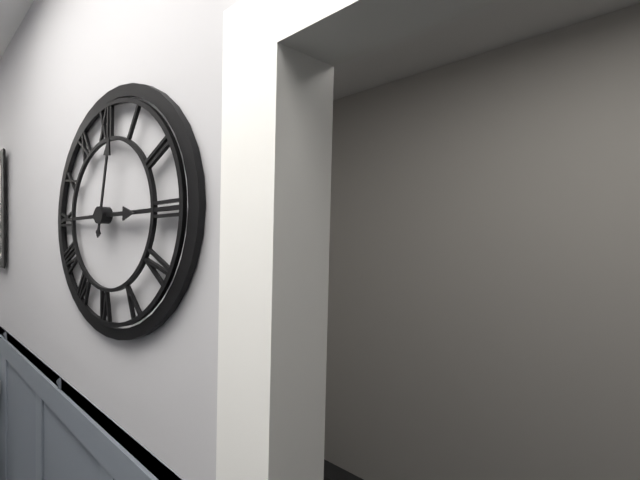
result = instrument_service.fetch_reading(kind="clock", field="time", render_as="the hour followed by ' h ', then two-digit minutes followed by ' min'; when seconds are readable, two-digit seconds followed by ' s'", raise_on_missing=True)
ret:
3 h 02 min
